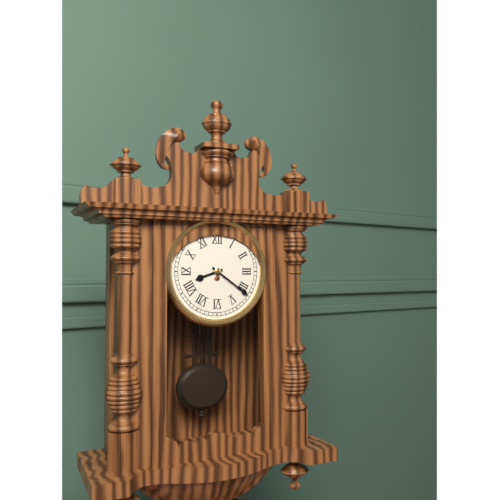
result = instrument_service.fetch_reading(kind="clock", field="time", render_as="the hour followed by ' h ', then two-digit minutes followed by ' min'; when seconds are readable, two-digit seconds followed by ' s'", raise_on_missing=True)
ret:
8 h 21 min
